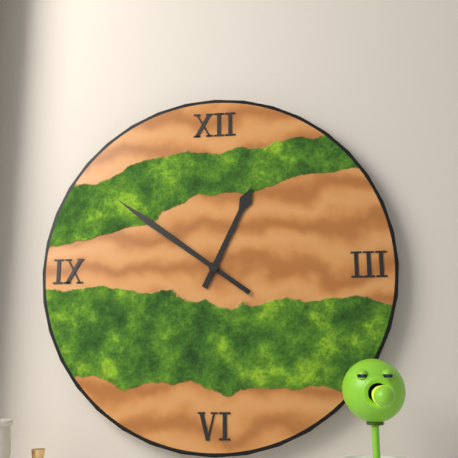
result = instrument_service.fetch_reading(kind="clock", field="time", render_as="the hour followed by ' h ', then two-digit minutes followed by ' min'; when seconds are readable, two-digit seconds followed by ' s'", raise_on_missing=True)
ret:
12 h 51 min
